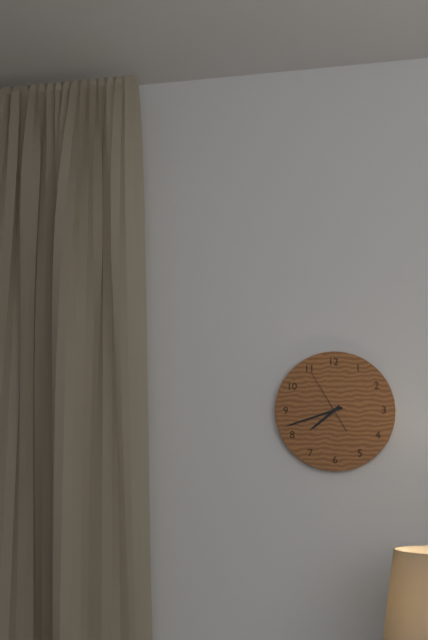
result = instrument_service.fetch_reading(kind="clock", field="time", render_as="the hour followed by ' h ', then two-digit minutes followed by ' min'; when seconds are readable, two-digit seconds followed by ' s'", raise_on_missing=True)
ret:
7 h 42 min 55 s
